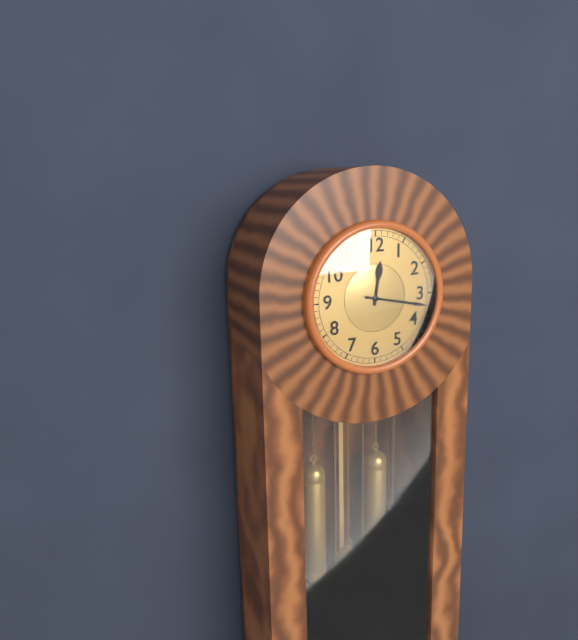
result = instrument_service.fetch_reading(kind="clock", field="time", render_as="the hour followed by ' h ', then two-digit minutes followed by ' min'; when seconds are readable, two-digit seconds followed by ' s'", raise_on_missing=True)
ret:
12 h 17 min
